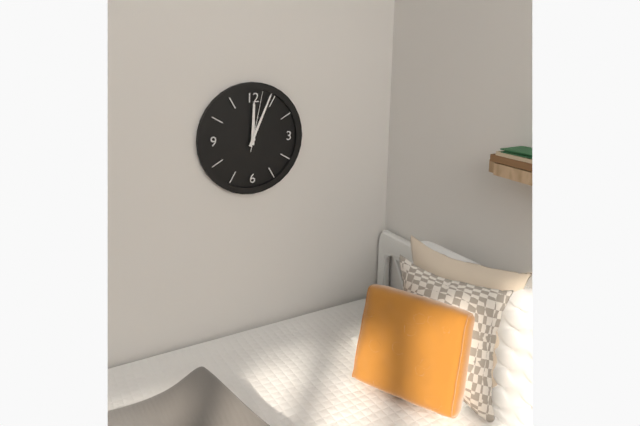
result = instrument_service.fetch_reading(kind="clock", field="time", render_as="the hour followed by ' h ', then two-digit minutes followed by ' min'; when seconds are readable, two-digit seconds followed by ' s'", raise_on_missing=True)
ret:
12 h 04 min 02 s
